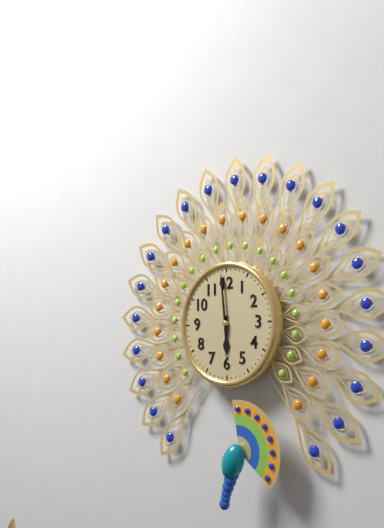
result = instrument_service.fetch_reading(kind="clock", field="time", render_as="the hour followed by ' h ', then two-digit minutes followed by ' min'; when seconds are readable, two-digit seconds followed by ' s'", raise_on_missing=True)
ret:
5 h 59 min
